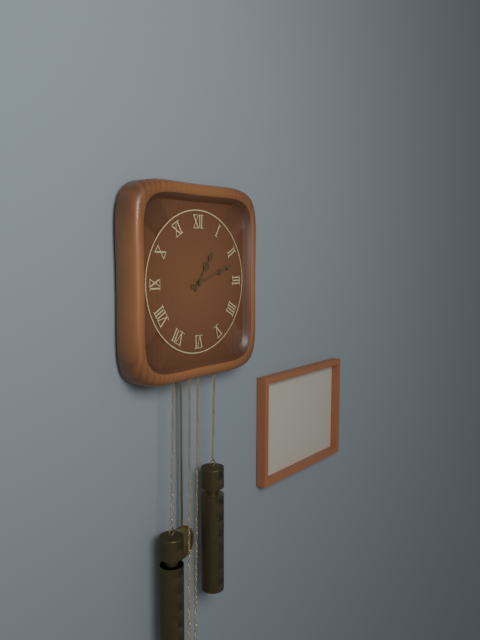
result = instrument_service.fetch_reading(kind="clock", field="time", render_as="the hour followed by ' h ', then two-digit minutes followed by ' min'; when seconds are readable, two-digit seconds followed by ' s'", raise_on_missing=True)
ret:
1 h 12 min
